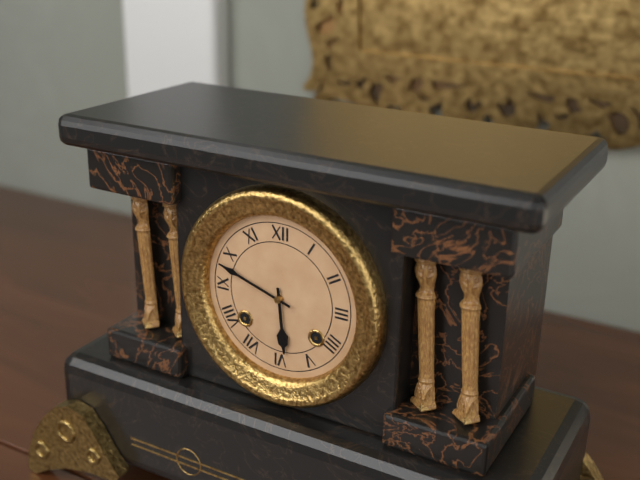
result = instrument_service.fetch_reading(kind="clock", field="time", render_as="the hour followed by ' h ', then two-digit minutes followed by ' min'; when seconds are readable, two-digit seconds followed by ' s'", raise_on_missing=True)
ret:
5 h 48 min
